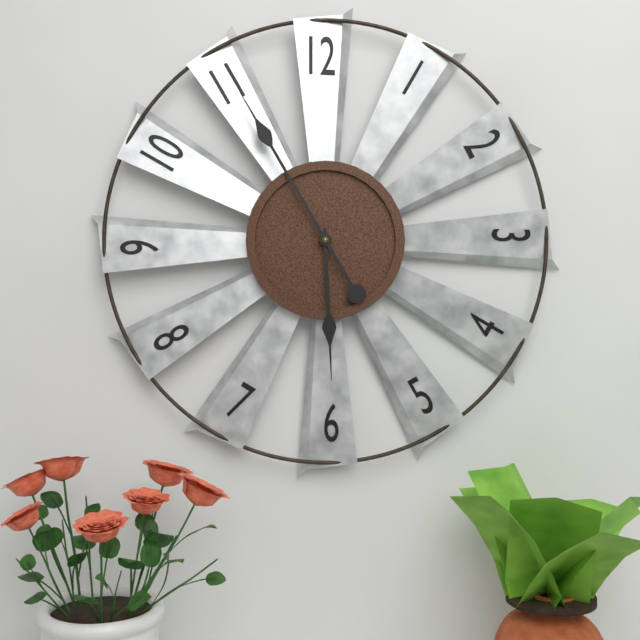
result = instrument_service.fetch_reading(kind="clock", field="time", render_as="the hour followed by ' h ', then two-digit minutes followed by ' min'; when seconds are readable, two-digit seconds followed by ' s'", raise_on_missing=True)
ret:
5 h 55 min
